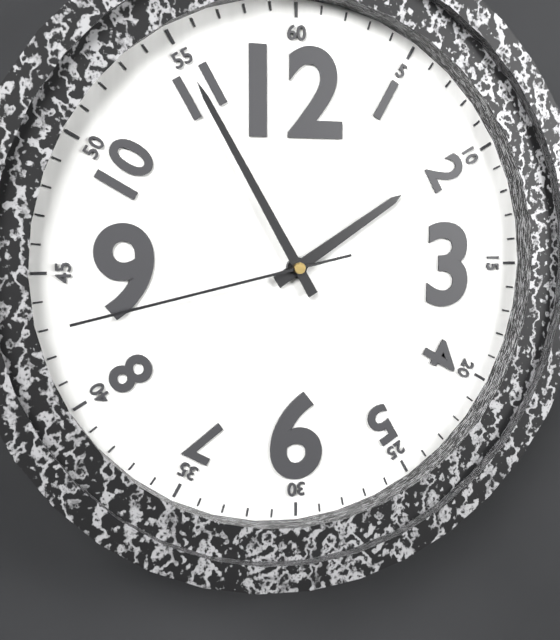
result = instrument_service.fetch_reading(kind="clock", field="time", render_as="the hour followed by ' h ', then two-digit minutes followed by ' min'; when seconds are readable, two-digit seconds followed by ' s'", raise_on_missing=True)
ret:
1 h 55 min 43 s
